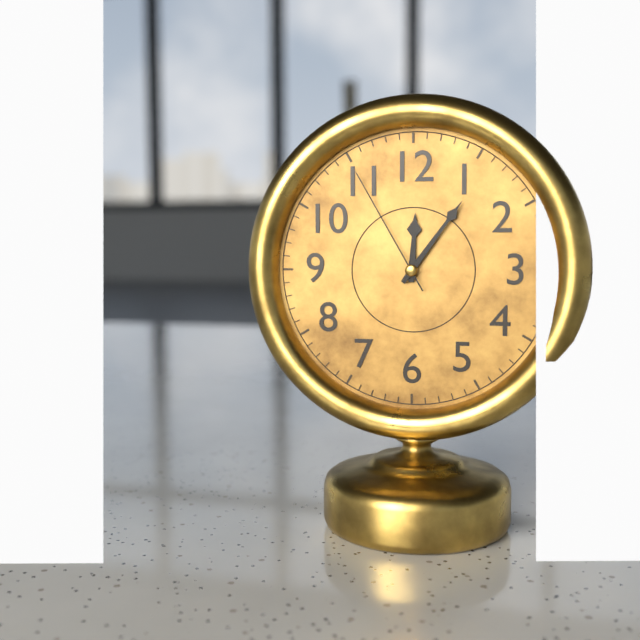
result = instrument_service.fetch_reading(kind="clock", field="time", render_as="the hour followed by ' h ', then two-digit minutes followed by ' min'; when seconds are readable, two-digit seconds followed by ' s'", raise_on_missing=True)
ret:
12 h 06 min 55 s
